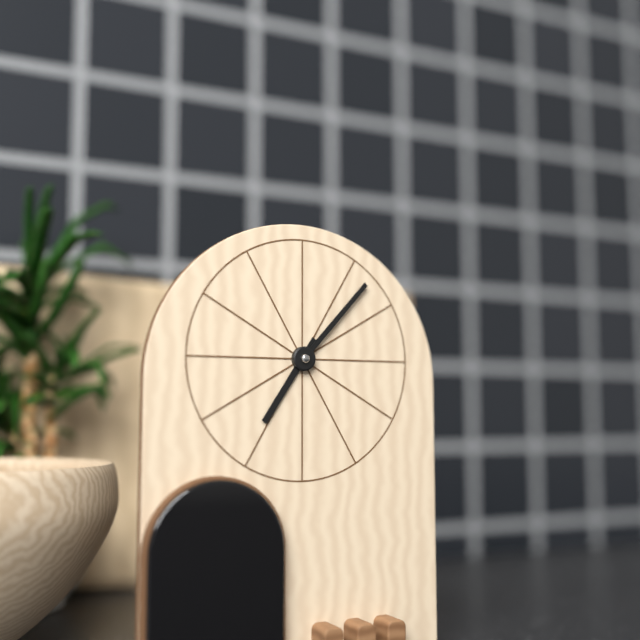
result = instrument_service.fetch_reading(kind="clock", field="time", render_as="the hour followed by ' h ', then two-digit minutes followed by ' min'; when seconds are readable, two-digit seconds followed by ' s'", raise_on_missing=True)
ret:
7 h 07 min
